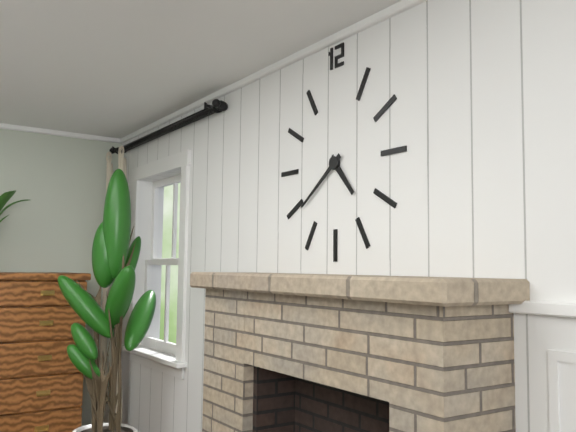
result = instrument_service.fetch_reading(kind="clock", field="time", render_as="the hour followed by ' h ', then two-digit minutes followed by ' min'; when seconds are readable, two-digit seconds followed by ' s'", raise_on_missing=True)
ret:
4 h 39 min
